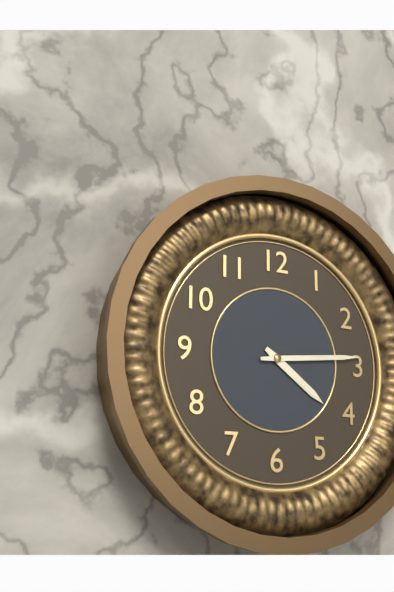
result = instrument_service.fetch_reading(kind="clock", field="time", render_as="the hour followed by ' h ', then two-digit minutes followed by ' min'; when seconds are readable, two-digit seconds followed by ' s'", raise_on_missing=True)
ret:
4 h 14 min
